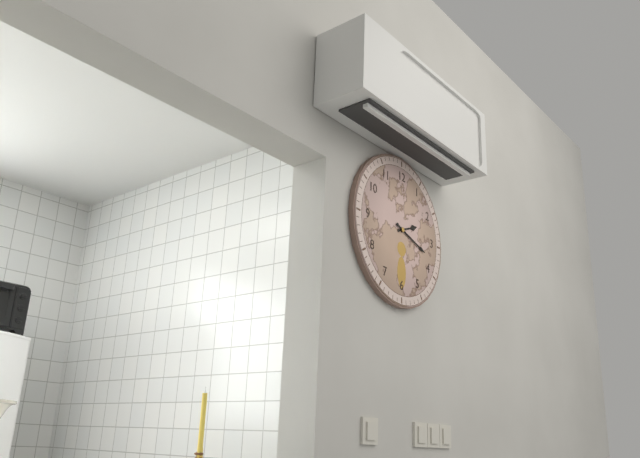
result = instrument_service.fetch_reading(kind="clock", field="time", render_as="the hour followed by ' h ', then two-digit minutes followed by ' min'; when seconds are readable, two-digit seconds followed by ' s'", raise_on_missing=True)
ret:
2 h 18 min
